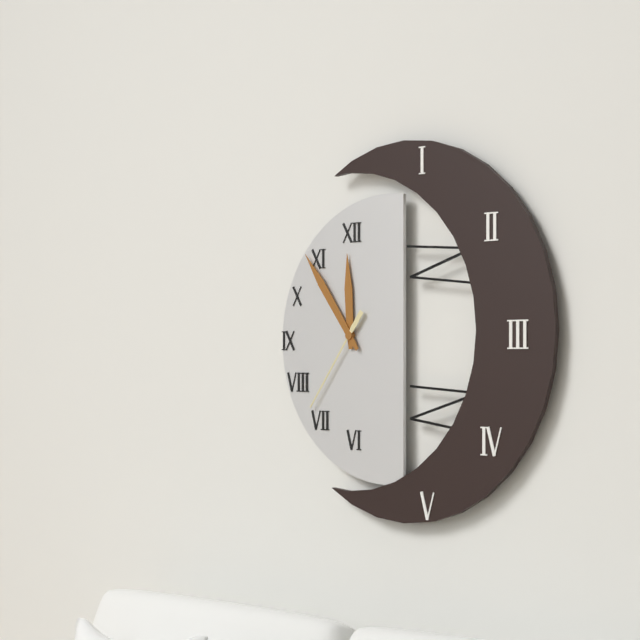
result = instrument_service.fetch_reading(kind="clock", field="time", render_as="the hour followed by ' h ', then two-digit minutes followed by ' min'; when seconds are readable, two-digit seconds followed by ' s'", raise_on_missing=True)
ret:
11 h 54 min 36 s
